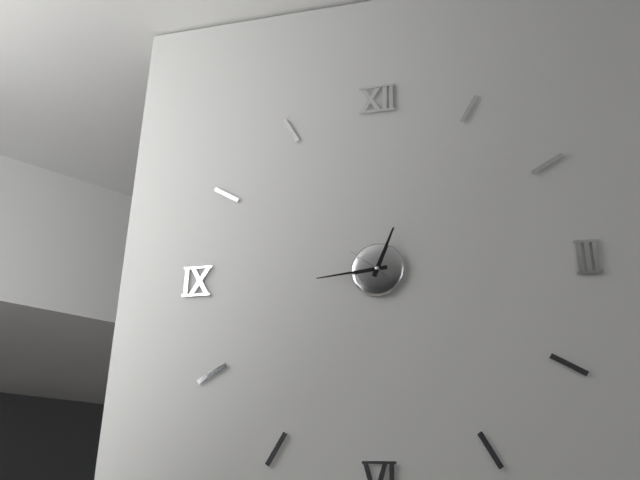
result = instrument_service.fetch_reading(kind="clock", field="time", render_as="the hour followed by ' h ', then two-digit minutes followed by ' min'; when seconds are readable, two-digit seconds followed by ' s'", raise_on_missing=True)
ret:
12 h 44 min
